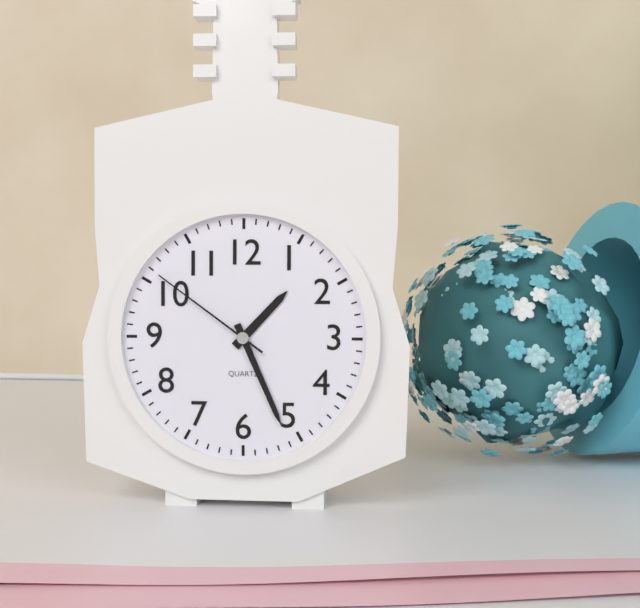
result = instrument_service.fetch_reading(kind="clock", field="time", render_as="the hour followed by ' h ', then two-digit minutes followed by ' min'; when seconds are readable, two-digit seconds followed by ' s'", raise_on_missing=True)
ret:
1 h 26 min 51 s
